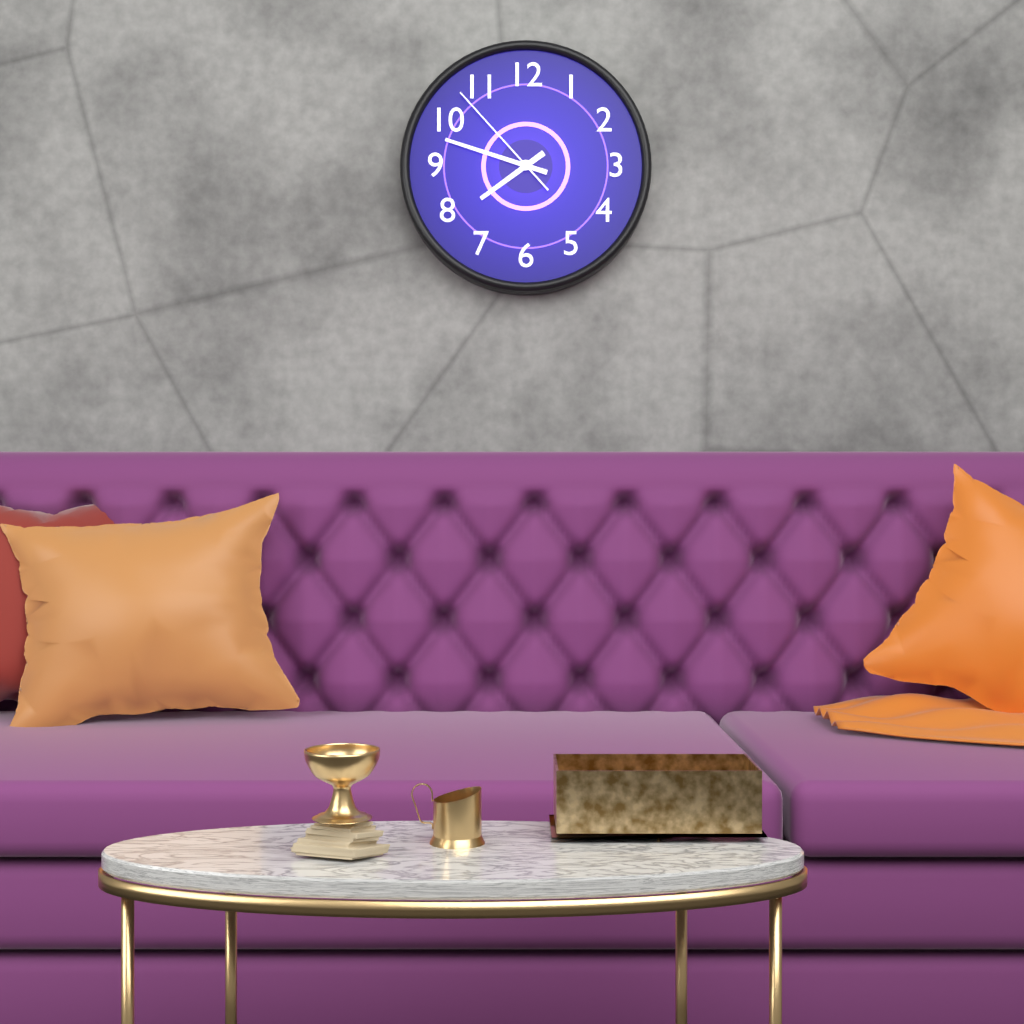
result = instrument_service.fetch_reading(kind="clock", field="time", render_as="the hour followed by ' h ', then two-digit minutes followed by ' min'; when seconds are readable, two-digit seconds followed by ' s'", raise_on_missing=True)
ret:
7 h 48 min 53 s
